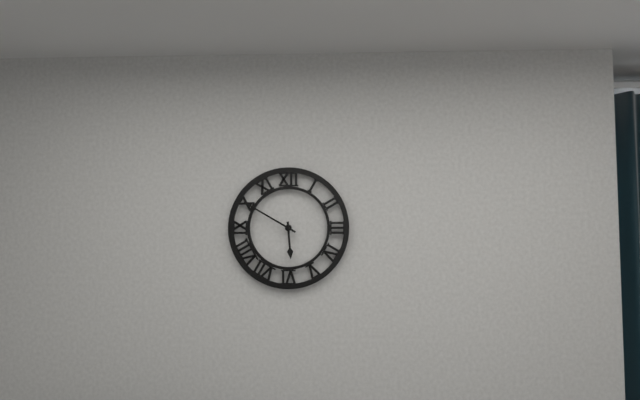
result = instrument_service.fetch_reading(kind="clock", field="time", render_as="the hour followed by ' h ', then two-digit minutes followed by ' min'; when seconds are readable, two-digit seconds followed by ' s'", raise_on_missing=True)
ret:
5 h 50 min
